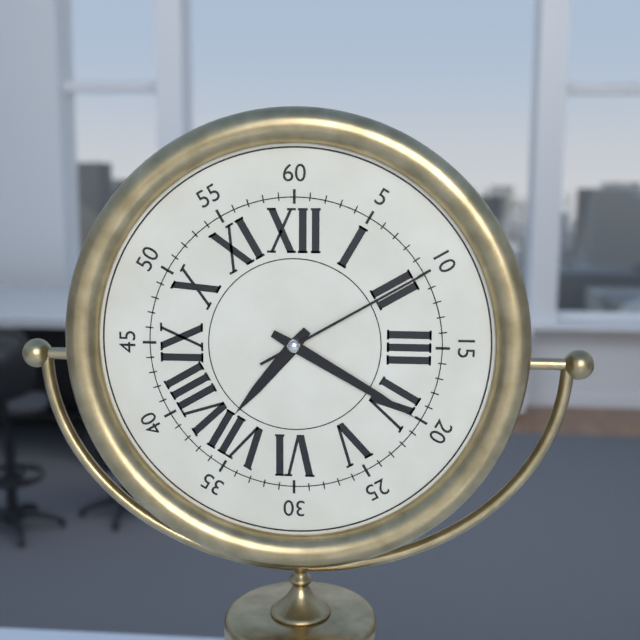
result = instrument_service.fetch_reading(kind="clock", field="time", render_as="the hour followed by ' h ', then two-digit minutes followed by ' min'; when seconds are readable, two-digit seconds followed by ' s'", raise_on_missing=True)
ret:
7 h 20 min 10 s
